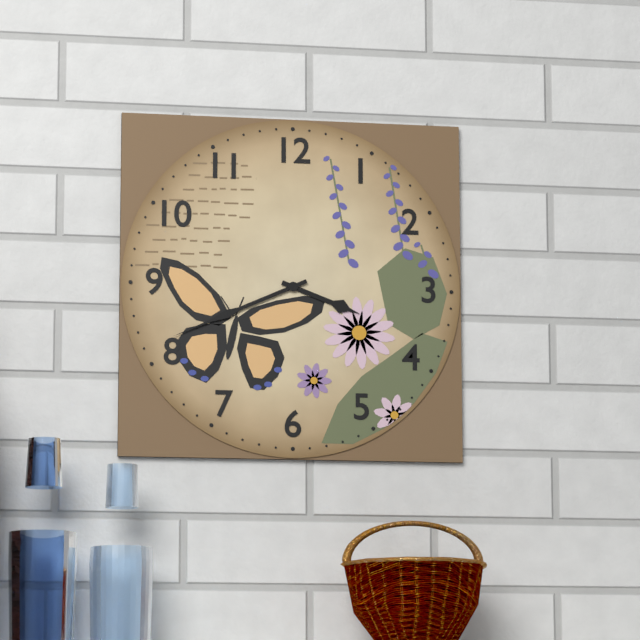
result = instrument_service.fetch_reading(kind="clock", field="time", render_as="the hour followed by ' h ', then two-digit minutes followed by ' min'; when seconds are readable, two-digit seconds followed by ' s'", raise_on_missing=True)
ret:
3 h 41 min
